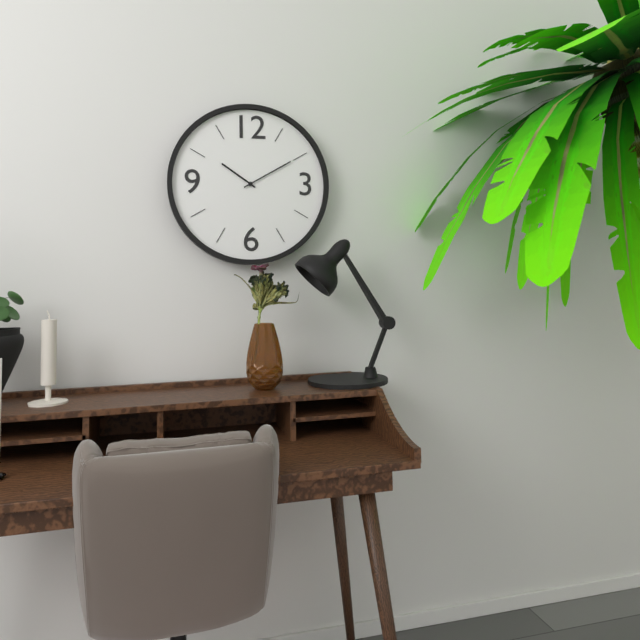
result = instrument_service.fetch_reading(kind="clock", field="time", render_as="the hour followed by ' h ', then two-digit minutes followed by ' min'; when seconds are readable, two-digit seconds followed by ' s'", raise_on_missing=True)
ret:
10 h 10 min
